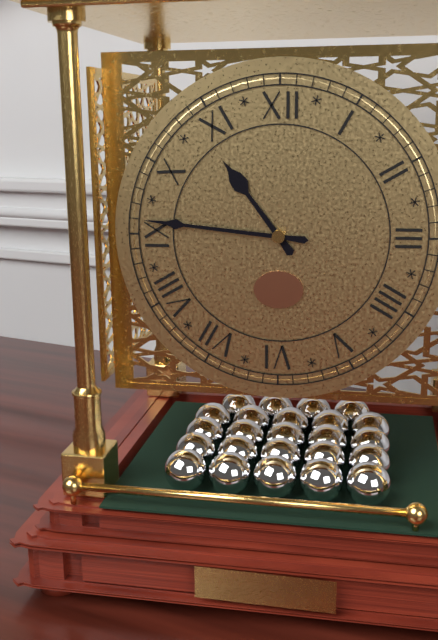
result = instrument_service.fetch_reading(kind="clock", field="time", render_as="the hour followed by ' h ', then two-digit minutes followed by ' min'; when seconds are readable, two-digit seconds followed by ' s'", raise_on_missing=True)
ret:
10 h 46 min
